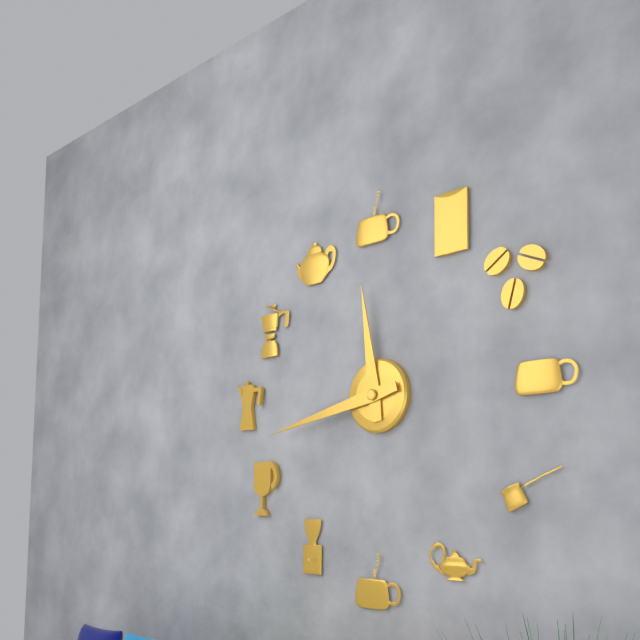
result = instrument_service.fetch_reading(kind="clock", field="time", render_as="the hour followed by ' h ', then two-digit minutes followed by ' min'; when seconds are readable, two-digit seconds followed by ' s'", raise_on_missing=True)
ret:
11 h 43 min
